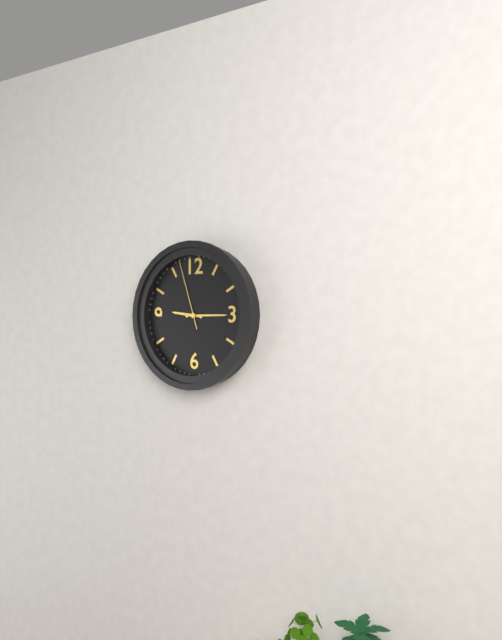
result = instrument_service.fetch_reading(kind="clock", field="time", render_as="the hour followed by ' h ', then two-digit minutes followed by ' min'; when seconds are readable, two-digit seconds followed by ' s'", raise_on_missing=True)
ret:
9 h 15 min 57 s
